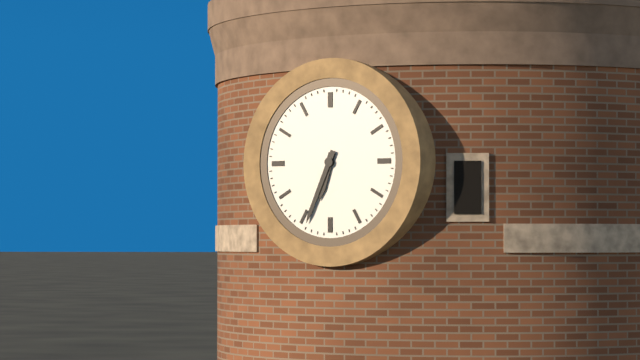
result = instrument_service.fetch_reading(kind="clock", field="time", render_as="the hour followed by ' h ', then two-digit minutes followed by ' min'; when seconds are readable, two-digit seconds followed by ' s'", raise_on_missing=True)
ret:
6 h 34 min
